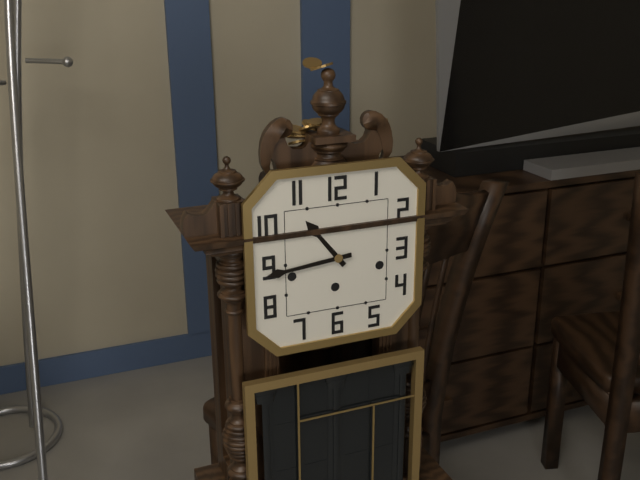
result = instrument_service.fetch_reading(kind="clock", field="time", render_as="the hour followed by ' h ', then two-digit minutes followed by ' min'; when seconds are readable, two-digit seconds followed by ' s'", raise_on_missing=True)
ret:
10 h 44 min
